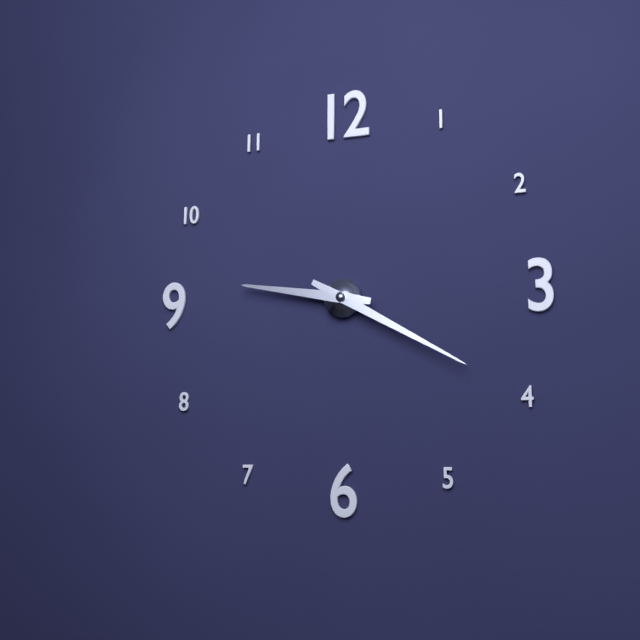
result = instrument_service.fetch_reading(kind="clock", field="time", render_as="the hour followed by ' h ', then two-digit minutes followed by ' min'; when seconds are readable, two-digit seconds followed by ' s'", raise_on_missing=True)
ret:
9 h 20 min
